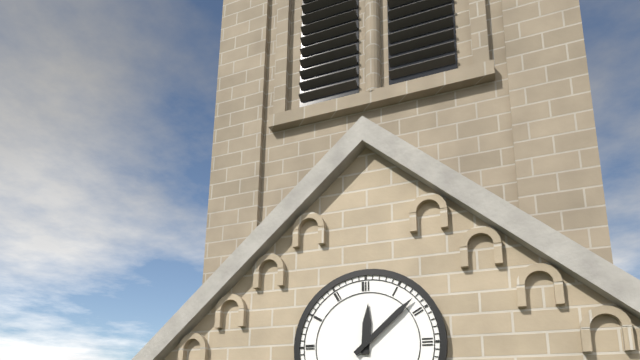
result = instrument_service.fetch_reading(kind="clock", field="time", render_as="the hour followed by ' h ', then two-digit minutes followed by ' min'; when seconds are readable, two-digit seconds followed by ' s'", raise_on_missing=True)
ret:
12 h 08 min
